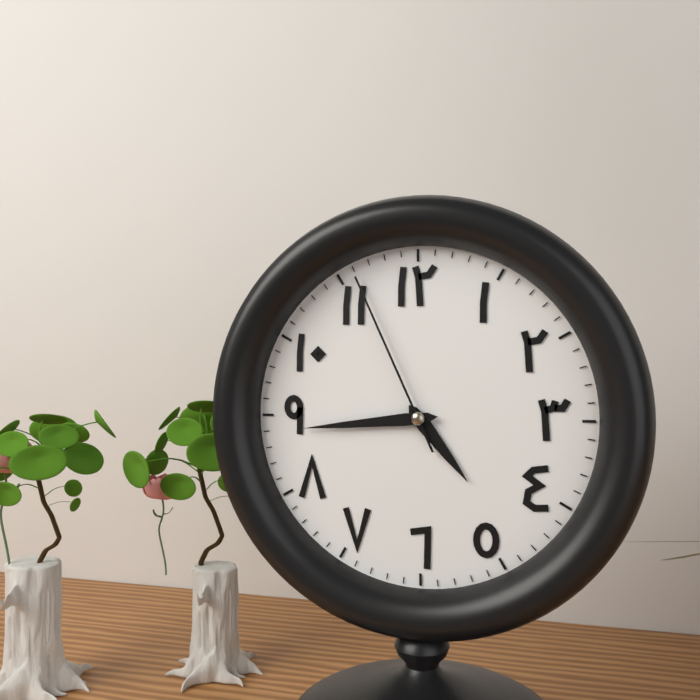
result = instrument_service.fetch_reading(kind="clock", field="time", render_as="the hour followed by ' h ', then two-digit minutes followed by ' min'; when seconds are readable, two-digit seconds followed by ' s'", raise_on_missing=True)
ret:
4 h 44 min 56 s
